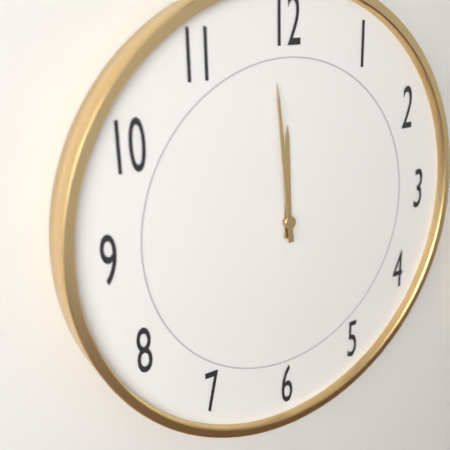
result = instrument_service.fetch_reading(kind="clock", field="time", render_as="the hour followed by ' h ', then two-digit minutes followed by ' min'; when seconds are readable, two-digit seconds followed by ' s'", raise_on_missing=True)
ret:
11 h 59 min
